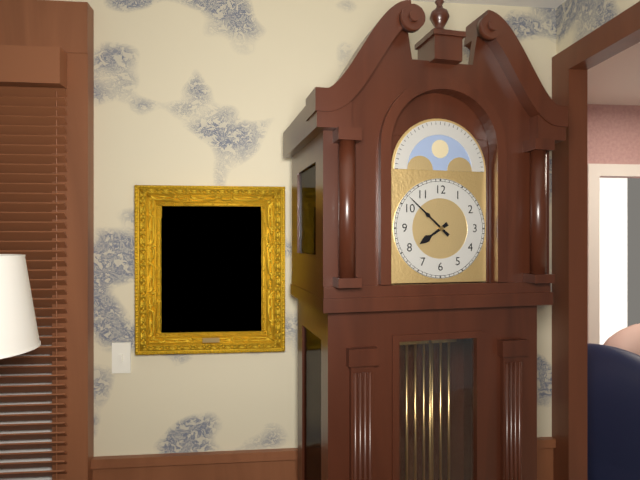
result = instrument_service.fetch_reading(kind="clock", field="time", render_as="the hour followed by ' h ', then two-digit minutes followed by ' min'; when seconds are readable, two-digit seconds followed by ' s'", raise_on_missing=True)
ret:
7 h 52 min
